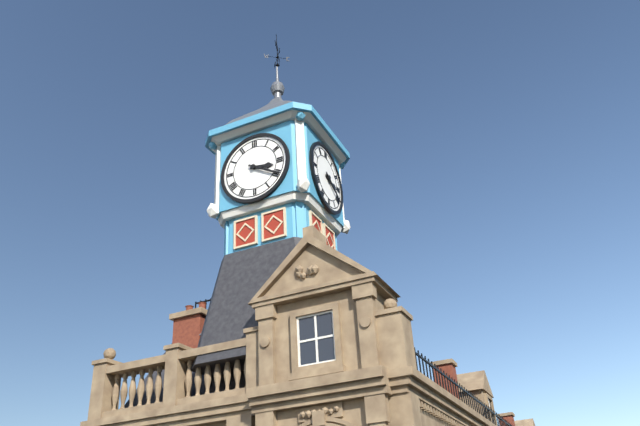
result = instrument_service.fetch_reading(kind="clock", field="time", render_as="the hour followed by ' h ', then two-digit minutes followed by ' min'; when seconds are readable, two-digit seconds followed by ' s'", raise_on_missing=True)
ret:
3 h 20 min
